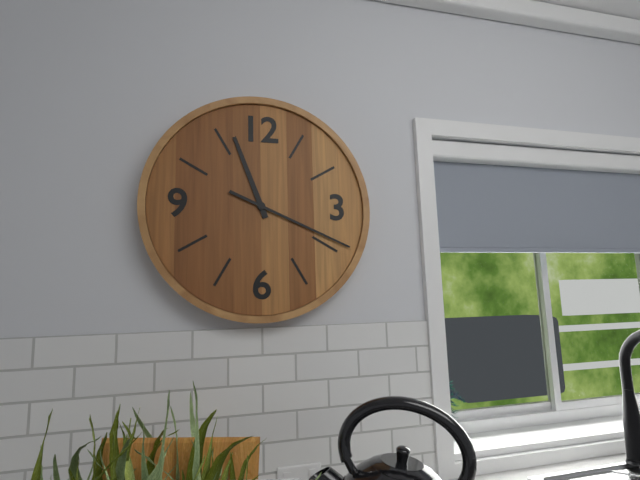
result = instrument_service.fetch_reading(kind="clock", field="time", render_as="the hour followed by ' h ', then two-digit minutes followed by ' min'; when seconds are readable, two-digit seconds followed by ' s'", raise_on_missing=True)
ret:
11 h 19 min
